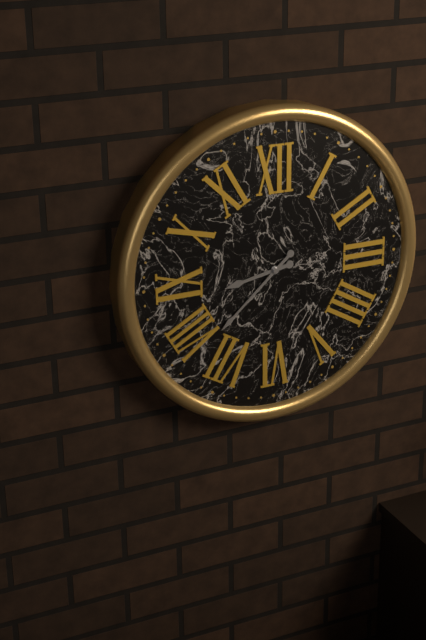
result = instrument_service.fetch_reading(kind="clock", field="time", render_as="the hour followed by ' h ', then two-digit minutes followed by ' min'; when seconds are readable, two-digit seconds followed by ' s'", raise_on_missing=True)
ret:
8 h 38 min
